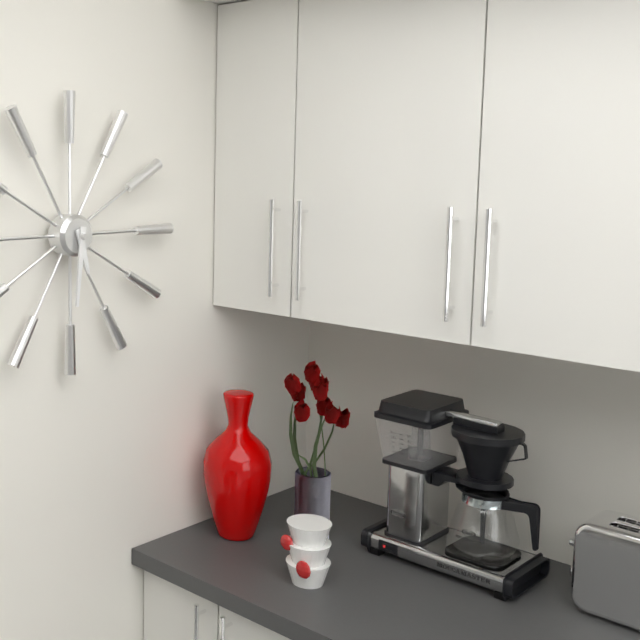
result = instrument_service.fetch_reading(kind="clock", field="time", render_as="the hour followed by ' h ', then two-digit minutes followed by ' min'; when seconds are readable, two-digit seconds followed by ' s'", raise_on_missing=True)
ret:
5 h 31 min
